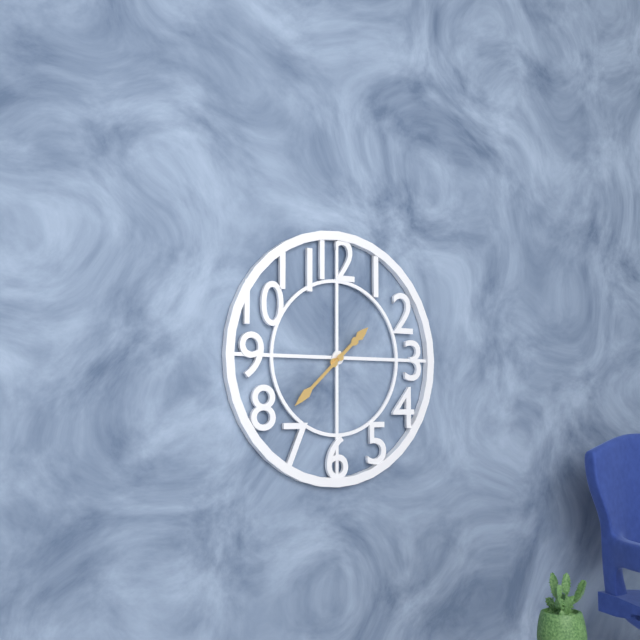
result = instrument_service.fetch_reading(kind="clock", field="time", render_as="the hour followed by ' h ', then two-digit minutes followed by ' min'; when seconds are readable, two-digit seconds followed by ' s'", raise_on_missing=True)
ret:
1 h 38 min
